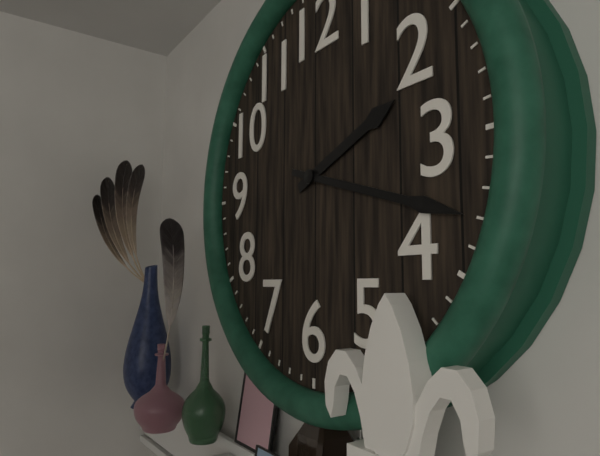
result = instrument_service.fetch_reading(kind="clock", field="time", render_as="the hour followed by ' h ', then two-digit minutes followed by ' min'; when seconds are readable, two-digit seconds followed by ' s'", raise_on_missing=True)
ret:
2 h 18 min
